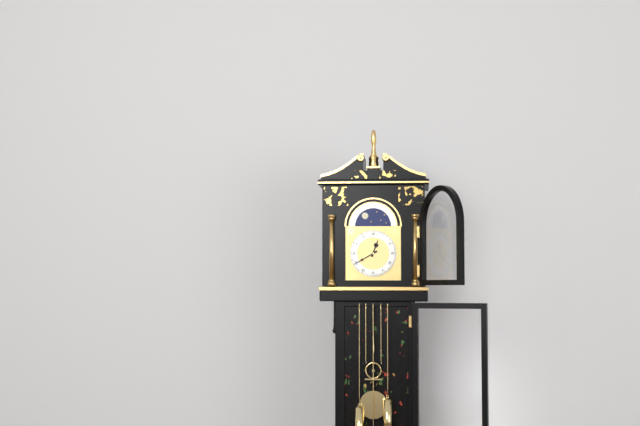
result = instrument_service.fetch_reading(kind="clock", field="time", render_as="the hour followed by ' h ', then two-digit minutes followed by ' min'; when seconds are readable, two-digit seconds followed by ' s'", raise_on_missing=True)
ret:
12 h 40 min
